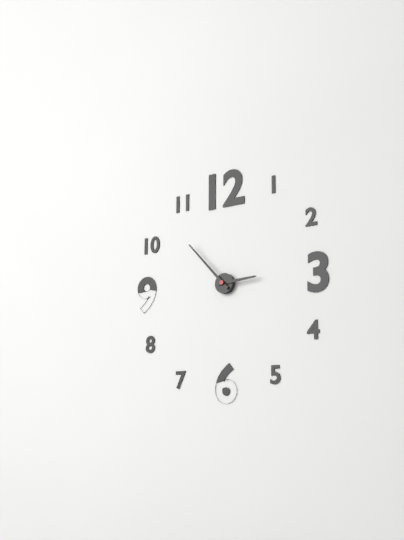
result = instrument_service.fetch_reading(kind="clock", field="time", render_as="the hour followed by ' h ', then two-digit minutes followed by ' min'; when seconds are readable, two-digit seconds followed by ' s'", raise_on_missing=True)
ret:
2 h 53 min
